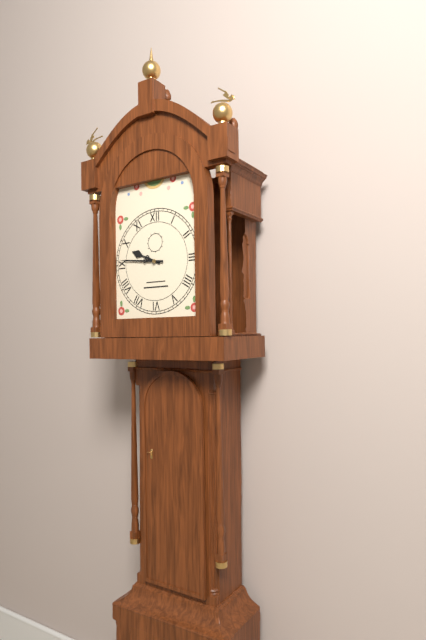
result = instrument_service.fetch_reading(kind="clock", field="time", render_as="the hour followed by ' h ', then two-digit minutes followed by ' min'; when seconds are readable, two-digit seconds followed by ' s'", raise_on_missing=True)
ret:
9 h 46 min
